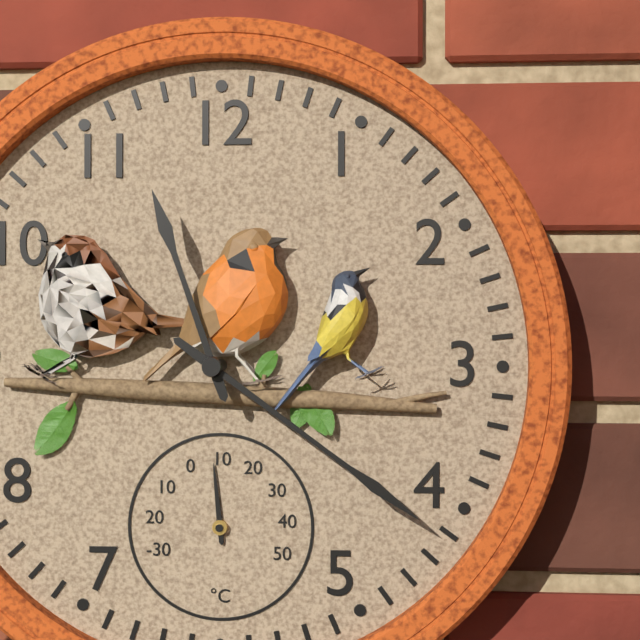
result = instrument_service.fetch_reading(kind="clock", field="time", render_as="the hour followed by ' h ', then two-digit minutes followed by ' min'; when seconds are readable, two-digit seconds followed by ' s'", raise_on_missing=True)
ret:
11 h 21 min
